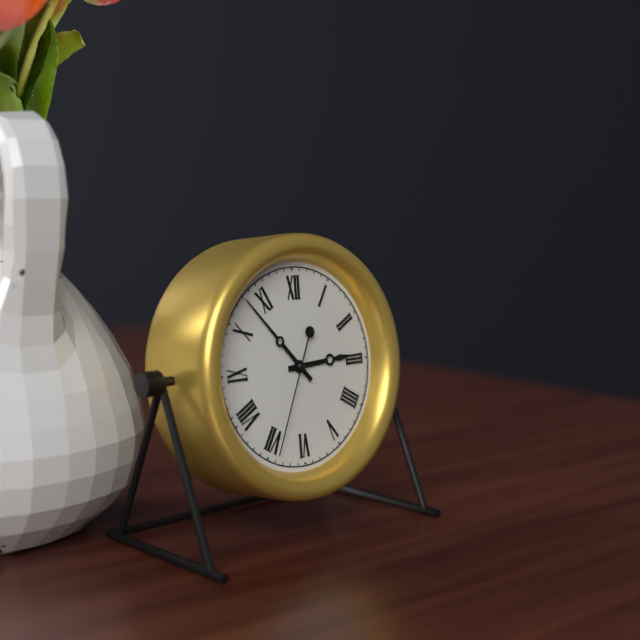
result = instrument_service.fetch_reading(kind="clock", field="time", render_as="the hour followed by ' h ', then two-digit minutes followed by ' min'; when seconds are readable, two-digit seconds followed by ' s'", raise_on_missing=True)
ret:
2 h 53 min 34 s
